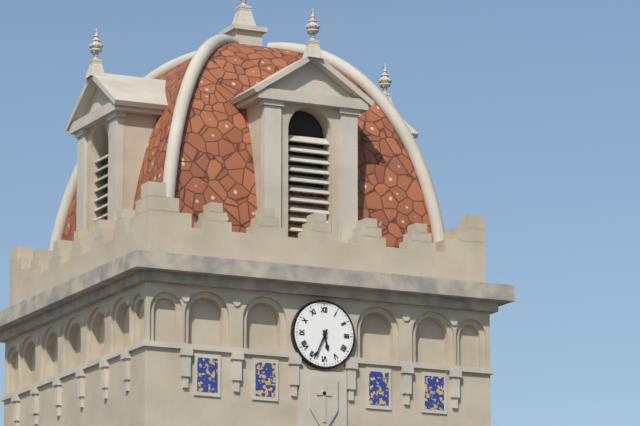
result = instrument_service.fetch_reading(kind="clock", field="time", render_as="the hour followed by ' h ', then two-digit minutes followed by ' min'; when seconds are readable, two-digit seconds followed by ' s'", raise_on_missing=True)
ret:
5 h 34 min
